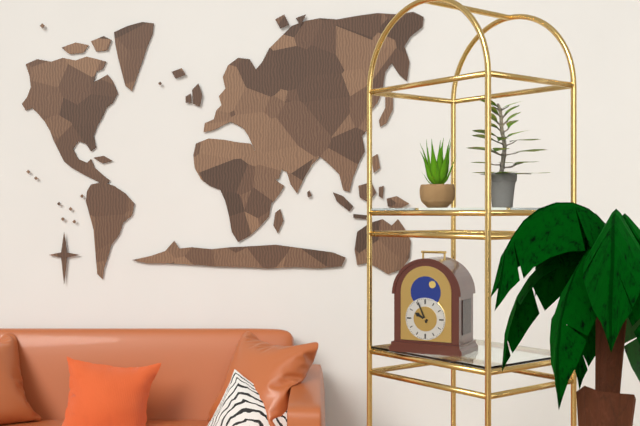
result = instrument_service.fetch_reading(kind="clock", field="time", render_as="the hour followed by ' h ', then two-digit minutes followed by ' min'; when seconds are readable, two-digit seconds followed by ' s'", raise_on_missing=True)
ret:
9 h 56 min
